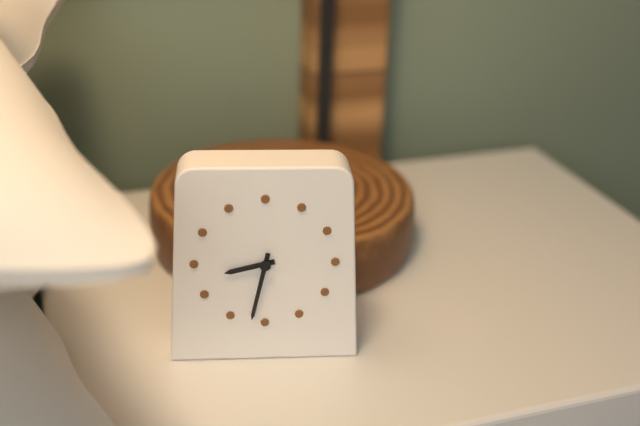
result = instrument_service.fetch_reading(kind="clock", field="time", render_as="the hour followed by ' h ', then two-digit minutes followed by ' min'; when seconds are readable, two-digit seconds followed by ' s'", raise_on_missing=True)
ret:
8 h 32 min
